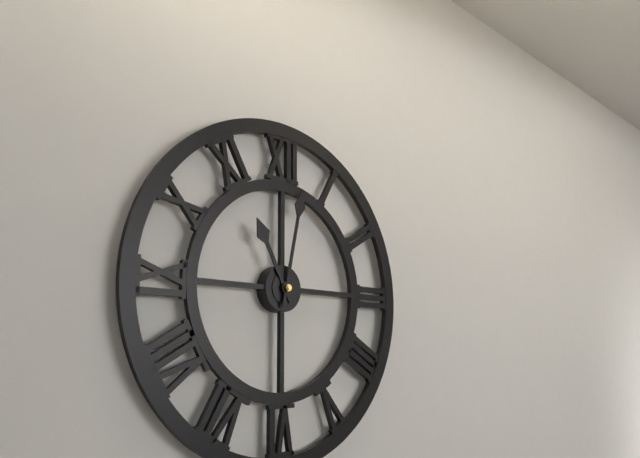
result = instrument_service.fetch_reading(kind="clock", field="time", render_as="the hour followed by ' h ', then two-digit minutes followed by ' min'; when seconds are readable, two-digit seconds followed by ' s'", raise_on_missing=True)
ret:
11 h 02 min
